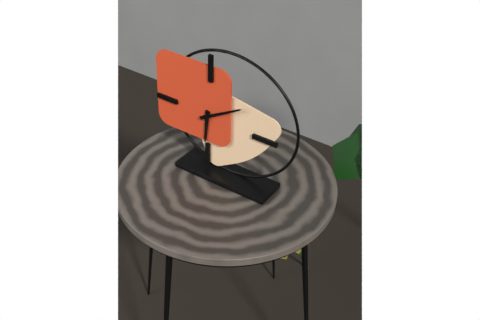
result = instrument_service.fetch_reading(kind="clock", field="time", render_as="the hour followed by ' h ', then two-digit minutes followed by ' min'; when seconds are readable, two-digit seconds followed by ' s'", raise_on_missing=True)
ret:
6 h 10 min
